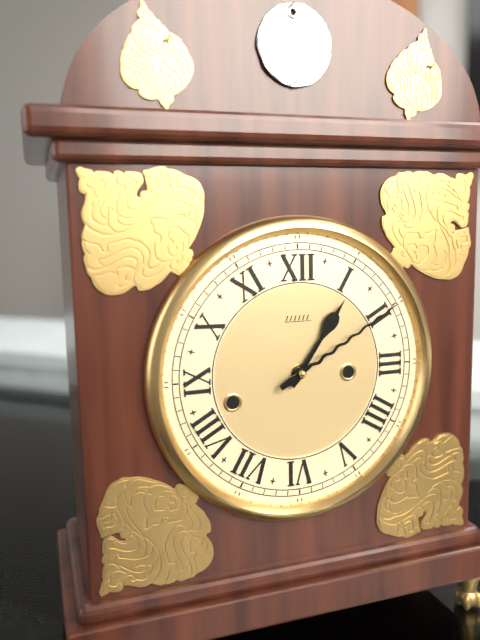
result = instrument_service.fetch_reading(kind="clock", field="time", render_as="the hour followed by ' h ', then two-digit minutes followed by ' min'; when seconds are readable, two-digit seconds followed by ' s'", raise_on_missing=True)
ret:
1 h 10 min
